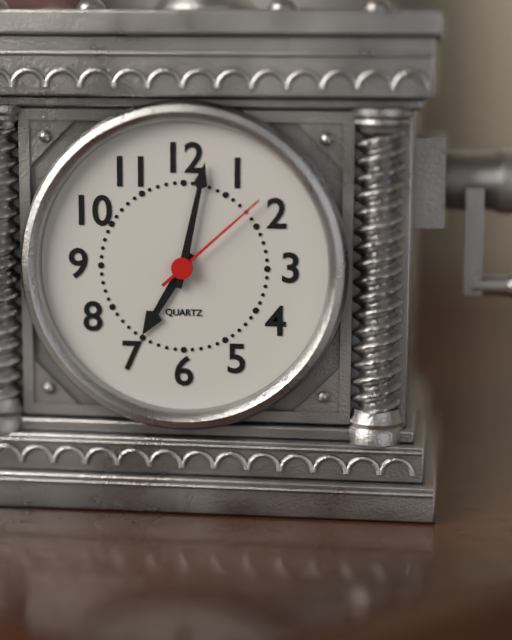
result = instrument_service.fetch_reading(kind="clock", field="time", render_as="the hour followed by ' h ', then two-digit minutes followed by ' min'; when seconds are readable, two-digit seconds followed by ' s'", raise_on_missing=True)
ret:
7 h 02 min 08 s
